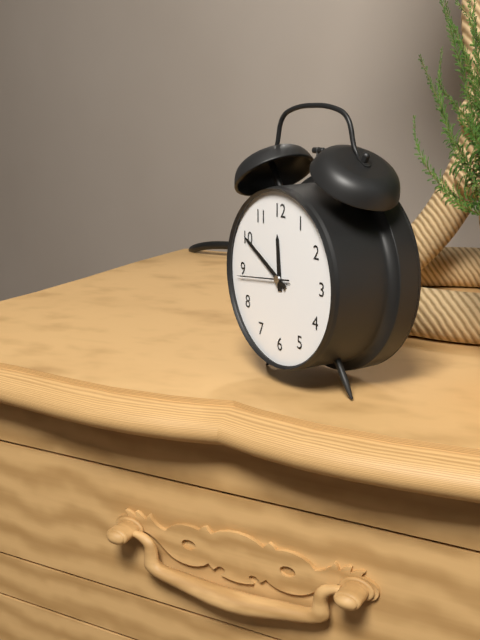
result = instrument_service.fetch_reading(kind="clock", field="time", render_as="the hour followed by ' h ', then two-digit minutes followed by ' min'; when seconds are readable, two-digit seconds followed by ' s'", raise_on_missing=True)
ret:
11 h 50 min 44 s
